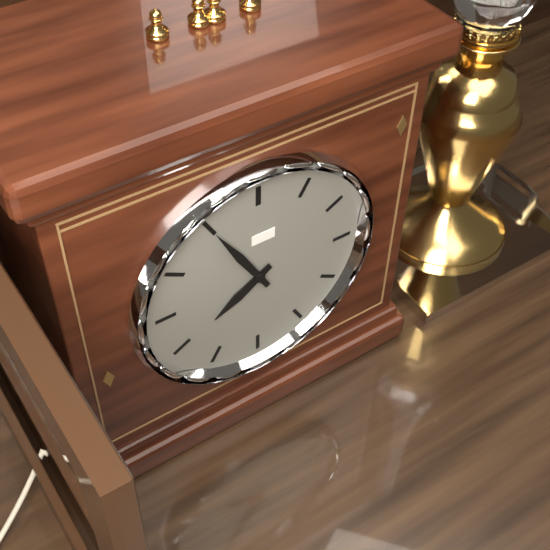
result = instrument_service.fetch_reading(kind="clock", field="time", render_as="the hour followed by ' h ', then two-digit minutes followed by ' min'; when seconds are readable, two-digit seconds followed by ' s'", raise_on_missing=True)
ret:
7 h 55 min
